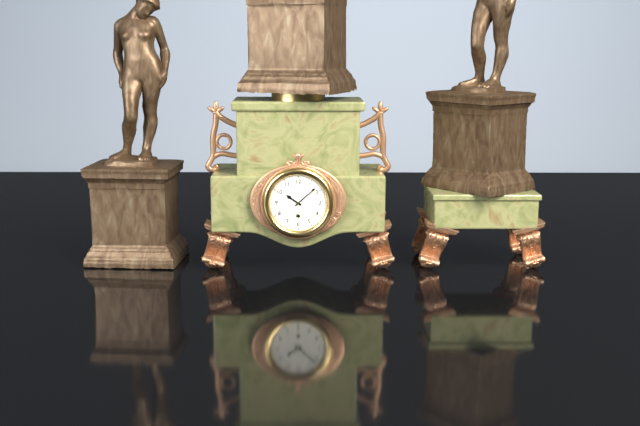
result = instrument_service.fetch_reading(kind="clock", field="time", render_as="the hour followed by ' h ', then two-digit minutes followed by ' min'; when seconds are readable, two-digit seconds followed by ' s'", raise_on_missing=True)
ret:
10 h 08 min
